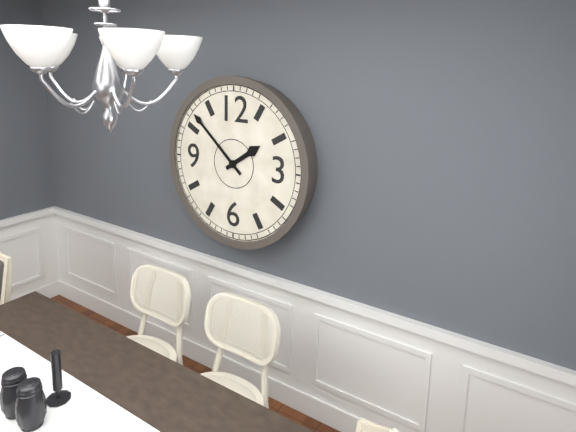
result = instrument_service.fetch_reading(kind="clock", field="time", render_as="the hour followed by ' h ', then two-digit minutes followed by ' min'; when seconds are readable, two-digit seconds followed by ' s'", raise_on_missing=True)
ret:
1 h 52 min
